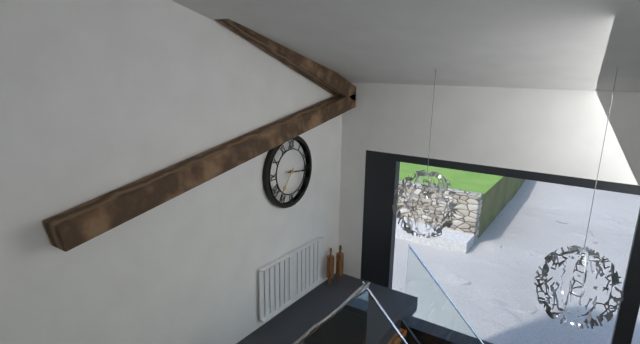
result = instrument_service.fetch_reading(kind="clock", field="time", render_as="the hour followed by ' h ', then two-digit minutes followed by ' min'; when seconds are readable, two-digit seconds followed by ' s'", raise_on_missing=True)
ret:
7 h 16 min
